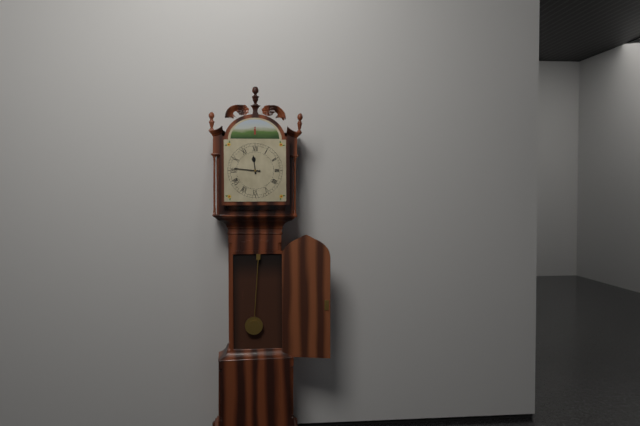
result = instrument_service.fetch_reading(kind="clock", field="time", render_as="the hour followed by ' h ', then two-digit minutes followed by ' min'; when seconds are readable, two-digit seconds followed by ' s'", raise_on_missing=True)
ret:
11 h 46 min
